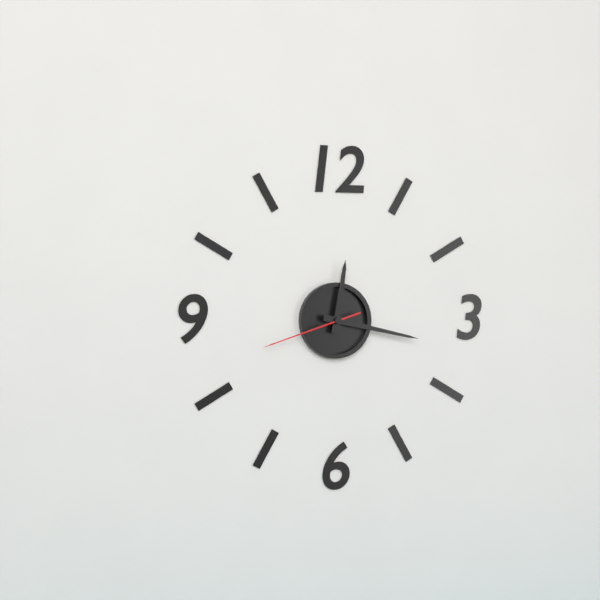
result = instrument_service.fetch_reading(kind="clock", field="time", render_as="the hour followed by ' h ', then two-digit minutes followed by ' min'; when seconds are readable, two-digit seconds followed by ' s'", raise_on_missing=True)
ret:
12 h 17 min 42 s
